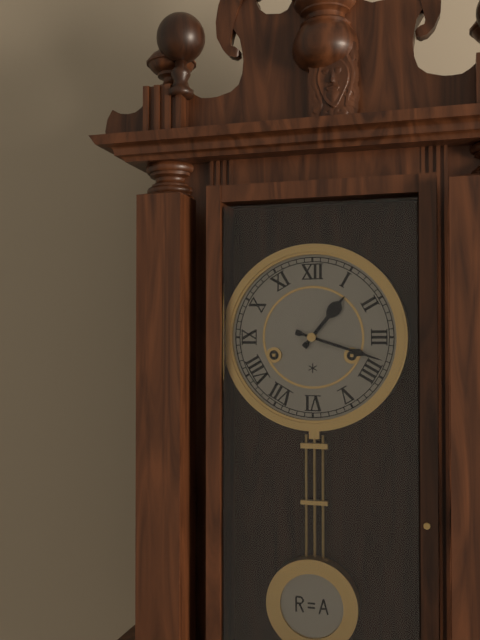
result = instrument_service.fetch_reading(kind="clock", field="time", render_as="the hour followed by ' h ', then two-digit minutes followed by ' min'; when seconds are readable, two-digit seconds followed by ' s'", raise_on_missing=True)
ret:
1 h 18 min
